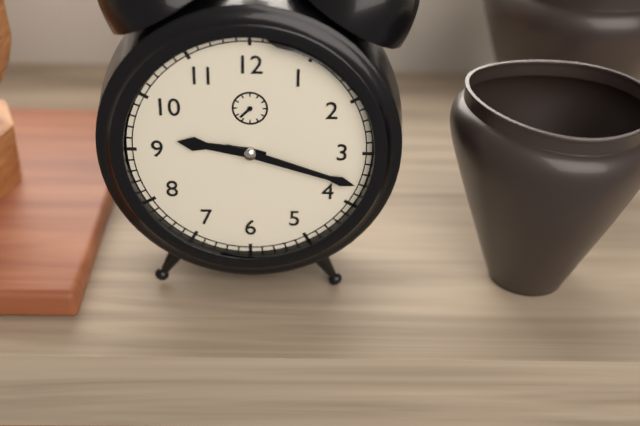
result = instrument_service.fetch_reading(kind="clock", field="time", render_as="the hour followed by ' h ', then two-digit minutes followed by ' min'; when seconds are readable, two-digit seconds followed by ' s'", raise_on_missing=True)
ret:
9 h 18 min
